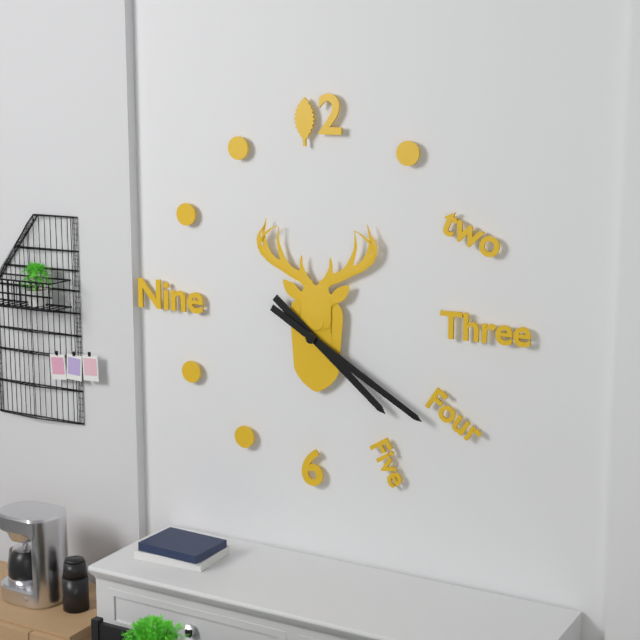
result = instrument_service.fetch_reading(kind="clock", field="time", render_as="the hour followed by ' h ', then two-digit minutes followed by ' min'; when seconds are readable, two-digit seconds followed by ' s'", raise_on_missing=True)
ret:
4 h 20 min
